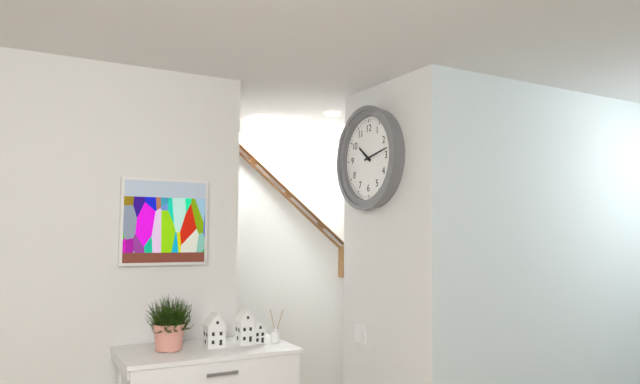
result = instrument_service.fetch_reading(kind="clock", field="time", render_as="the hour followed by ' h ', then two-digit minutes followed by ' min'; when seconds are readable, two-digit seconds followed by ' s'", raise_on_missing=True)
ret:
10 h 13 min
